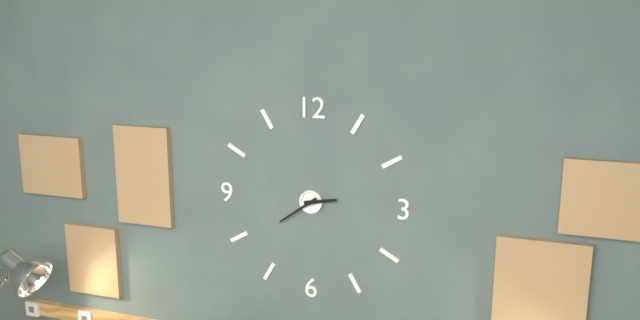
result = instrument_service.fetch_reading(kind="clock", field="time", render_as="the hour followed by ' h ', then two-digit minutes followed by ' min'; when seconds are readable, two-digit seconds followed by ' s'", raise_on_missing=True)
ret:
2 h 39 min
